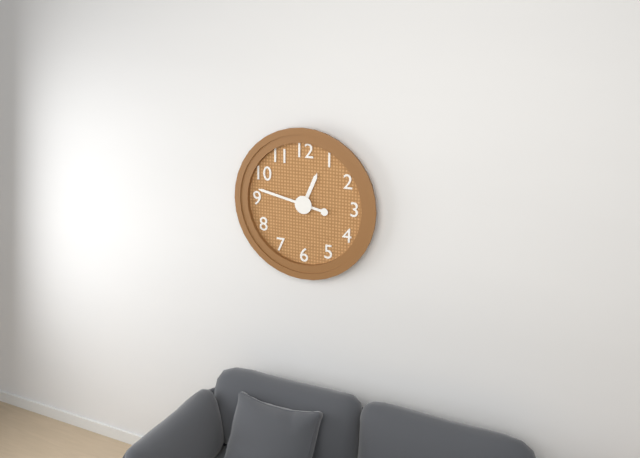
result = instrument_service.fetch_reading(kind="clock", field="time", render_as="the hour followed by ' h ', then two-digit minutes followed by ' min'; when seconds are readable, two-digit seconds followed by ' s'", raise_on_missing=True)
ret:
12 h 47 min
